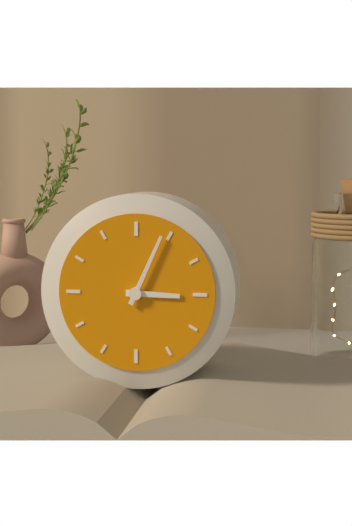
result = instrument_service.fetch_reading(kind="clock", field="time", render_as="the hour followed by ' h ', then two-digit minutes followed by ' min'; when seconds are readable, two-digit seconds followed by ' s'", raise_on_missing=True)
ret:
3 h 04 min
